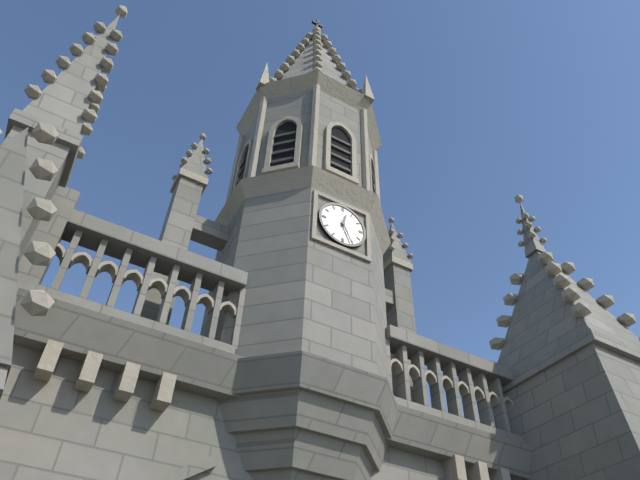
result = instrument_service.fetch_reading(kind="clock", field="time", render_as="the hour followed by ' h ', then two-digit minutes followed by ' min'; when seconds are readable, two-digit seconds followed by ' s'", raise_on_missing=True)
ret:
12 h 26 min
